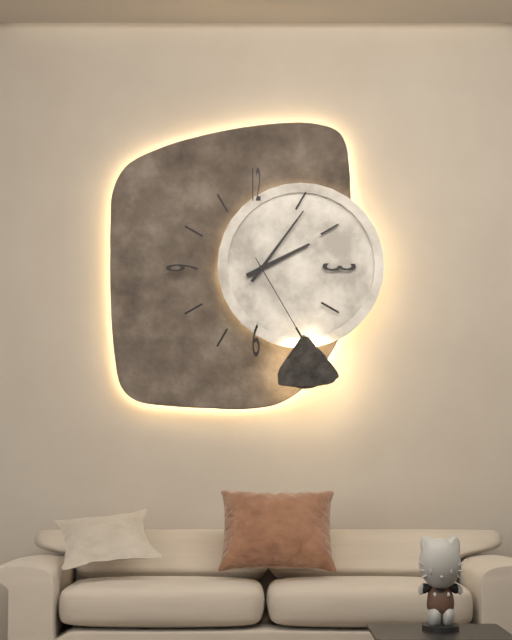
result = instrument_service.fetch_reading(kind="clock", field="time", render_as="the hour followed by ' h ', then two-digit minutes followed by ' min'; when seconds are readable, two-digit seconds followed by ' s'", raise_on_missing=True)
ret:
2 h 06 min 25 s
